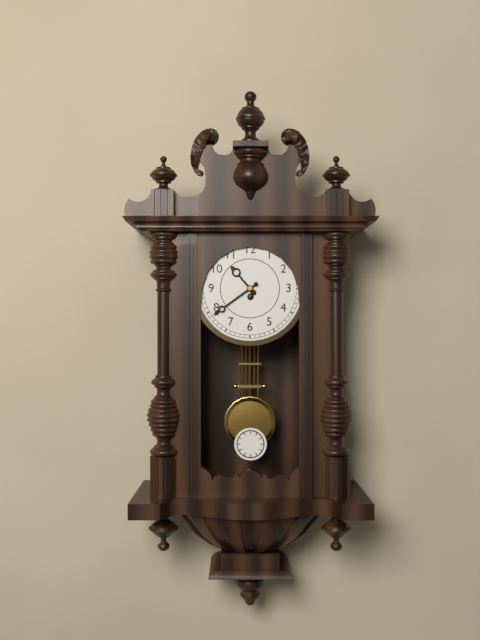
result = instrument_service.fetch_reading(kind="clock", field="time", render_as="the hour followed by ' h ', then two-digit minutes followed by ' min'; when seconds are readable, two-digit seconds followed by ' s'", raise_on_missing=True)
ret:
10 h 39 min
